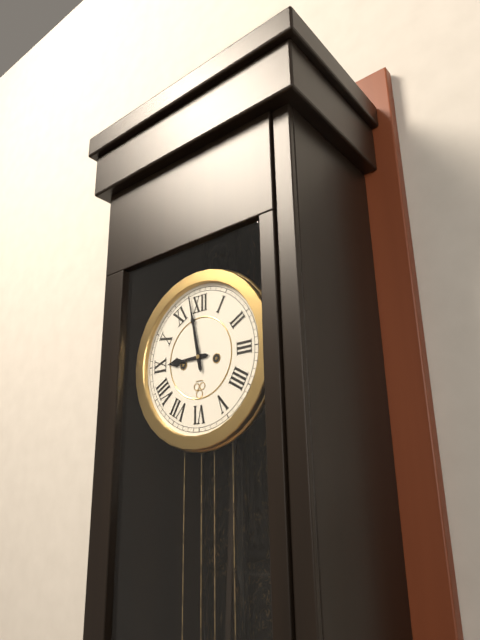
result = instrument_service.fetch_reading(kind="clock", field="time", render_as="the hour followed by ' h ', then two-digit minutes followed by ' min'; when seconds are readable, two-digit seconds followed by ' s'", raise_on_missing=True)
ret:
8 h 58 min
